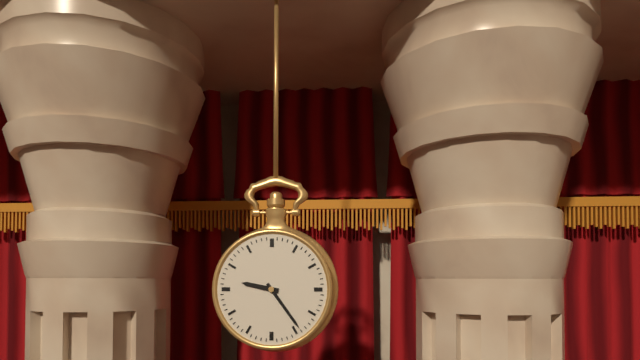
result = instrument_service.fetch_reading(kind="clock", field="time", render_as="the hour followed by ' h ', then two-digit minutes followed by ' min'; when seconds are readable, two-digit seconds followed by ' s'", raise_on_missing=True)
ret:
9 h 24 min
